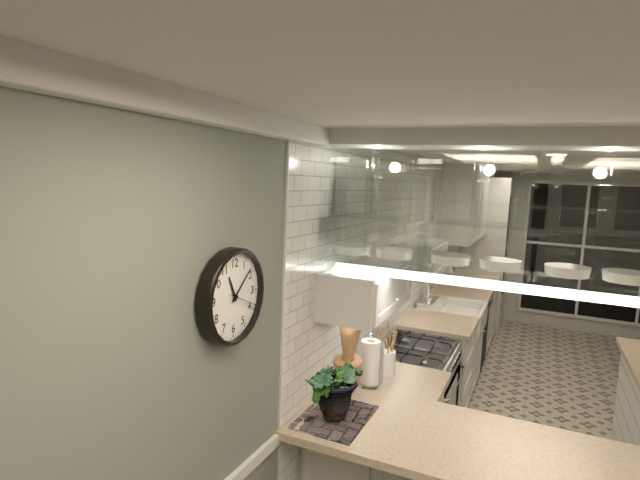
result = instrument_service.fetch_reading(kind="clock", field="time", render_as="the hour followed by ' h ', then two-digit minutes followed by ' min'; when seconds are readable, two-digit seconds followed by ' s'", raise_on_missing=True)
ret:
11 h 08 min
